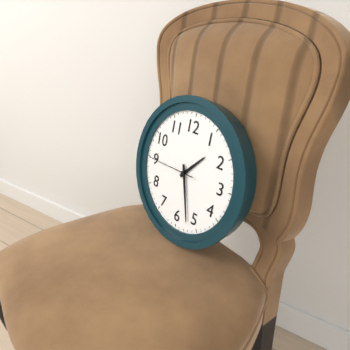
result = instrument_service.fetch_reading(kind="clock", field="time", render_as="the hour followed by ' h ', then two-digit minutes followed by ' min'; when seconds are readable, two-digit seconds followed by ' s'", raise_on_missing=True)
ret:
1 h 27 min
